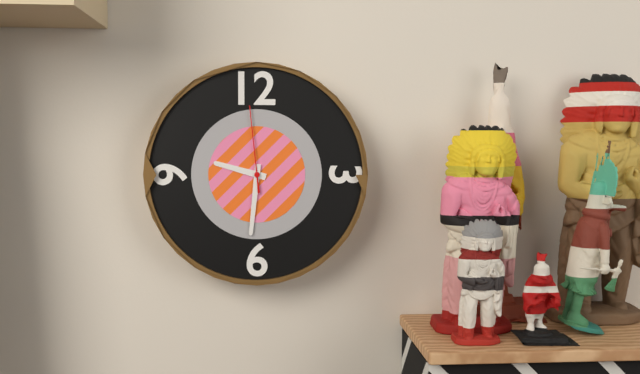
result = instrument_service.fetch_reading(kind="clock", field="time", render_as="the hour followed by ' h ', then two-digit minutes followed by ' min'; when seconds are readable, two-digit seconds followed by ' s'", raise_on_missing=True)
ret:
9 h 31 min 59 s
